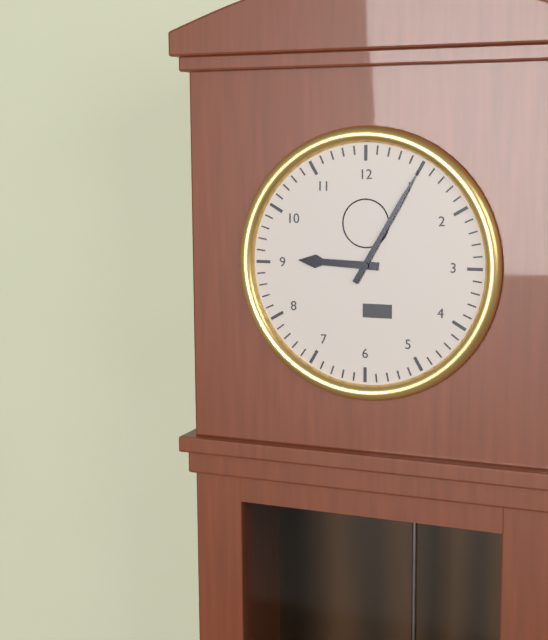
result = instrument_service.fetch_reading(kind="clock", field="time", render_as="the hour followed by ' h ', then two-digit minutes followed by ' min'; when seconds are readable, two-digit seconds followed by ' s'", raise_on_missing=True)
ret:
9 h 05 min
